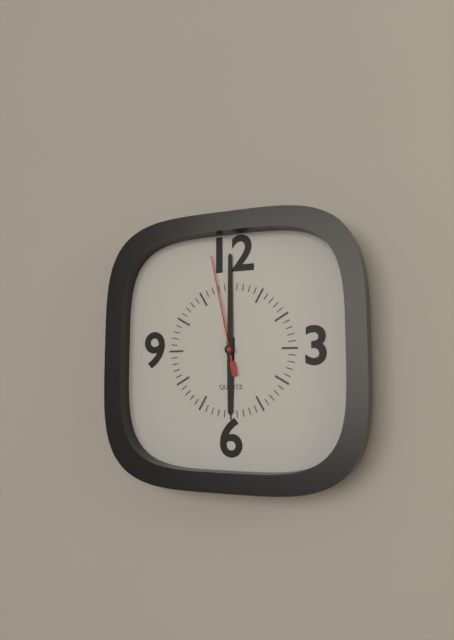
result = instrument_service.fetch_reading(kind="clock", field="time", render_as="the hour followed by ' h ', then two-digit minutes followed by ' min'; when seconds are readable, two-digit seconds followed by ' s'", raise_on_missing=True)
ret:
6 h 00 min 58 s
